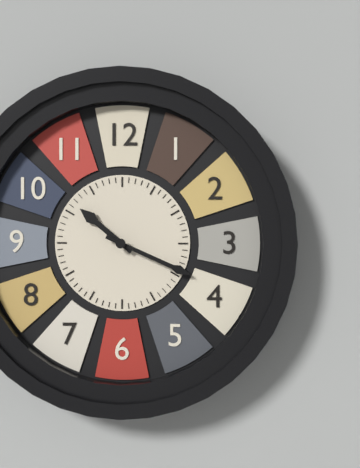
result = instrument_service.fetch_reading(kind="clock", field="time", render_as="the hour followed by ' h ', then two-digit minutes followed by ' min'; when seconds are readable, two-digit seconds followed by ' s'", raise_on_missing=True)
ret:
10 h 19 min
